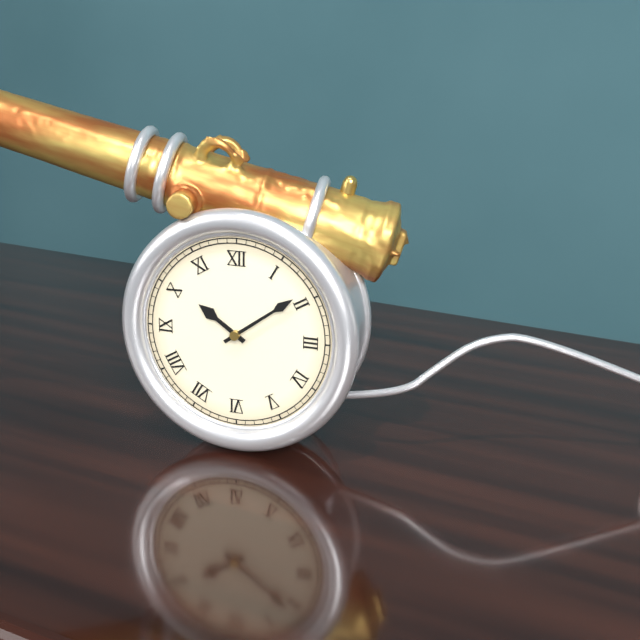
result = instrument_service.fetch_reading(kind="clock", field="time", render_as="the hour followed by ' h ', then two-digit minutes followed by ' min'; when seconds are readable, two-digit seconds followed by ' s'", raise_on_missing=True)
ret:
10 h 09 min
